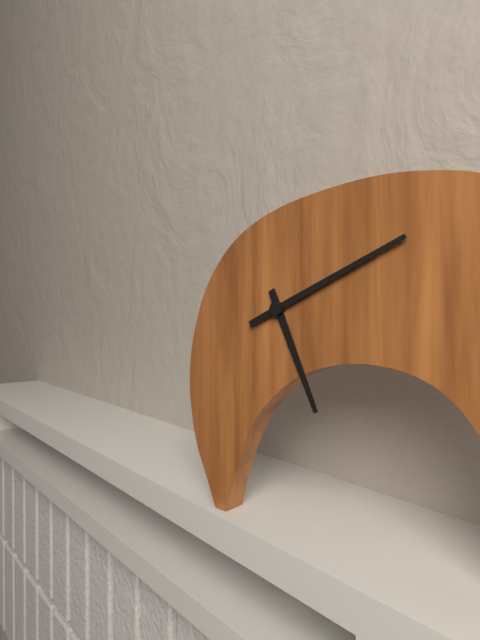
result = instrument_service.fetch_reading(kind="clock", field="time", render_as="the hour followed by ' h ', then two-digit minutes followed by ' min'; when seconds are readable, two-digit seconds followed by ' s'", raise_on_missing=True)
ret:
5 h 11 min
